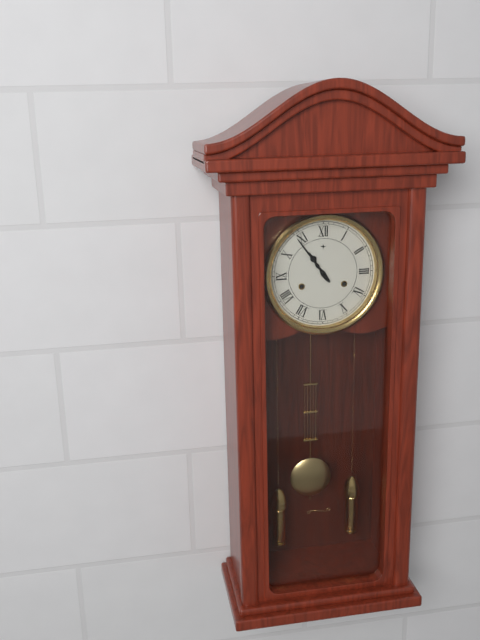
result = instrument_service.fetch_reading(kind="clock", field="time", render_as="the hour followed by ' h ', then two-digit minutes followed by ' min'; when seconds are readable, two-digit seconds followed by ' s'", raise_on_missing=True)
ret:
10 h 54 min
